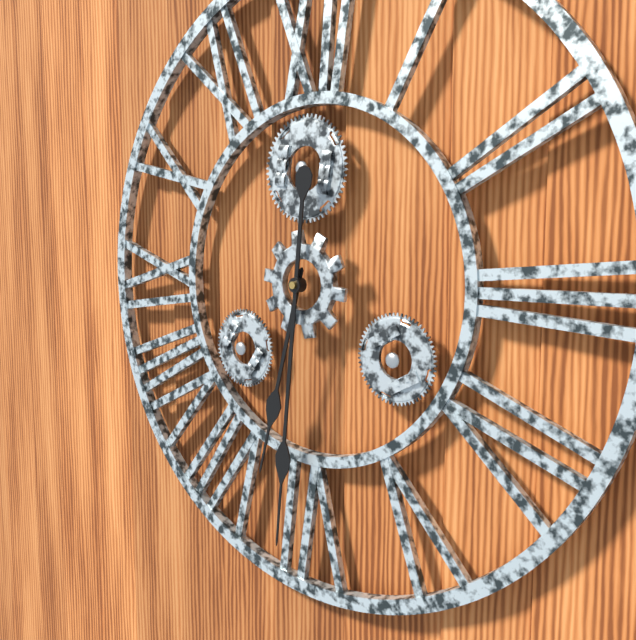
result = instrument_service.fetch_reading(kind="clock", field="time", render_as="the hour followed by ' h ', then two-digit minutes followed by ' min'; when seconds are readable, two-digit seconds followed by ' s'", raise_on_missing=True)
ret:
6 h 31 min
